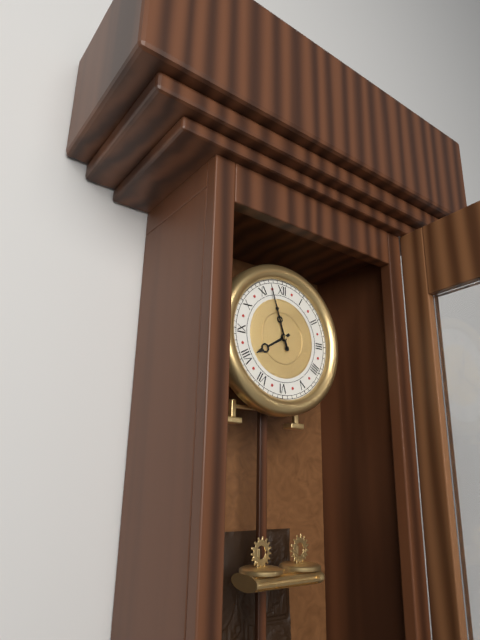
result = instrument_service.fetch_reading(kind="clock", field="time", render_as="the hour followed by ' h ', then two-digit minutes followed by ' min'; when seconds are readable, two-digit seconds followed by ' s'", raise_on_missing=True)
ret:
7 h 57 min
